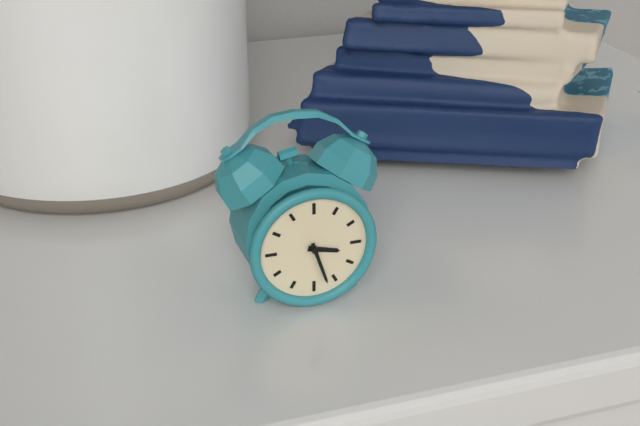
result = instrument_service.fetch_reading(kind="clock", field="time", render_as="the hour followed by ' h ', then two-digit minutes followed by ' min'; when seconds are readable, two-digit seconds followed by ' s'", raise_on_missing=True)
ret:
3 h 27 min
